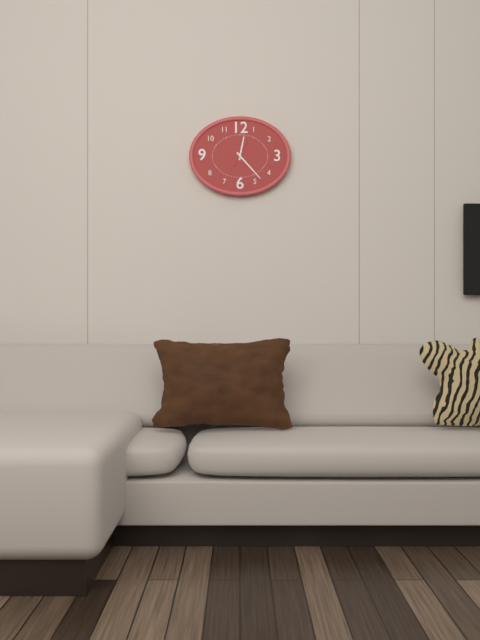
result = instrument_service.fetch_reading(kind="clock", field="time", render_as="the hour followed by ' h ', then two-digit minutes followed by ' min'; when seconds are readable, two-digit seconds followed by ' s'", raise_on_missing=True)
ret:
12 h 23 min
